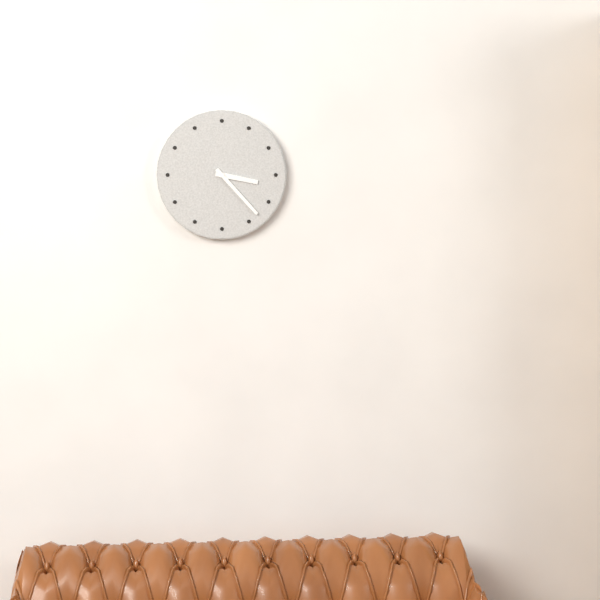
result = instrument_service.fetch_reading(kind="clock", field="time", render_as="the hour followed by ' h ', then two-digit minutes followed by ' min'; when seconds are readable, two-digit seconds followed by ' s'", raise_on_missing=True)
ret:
3 h 23 min
